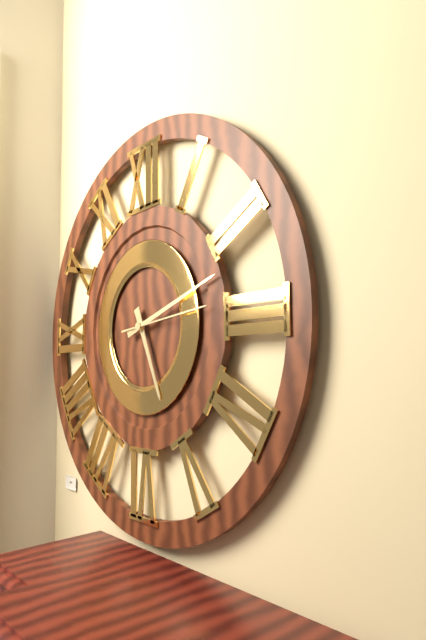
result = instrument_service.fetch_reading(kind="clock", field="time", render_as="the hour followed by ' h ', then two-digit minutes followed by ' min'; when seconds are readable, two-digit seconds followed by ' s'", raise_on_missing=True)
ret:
5 h 12 min 14 s
